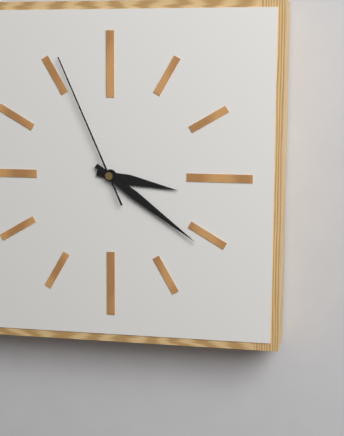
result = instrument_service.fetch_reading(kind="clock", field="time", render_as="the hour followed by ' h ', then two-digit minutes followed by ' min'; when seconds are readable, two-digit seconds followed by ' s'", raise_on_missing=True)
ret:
3 h 21 min 56 s
